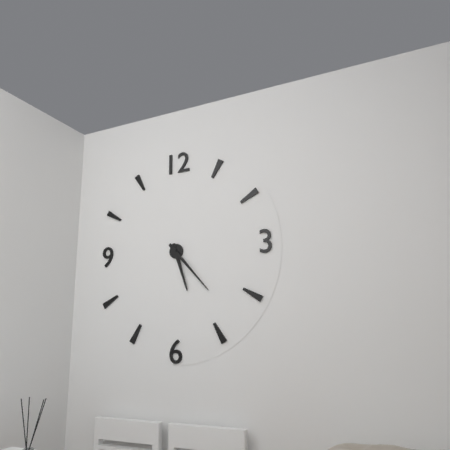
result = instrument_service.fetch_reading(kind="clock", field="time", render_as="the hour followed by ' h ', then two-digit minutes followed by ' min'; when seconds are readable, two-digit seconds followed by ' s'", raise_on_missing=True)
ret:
5 h 23 min
